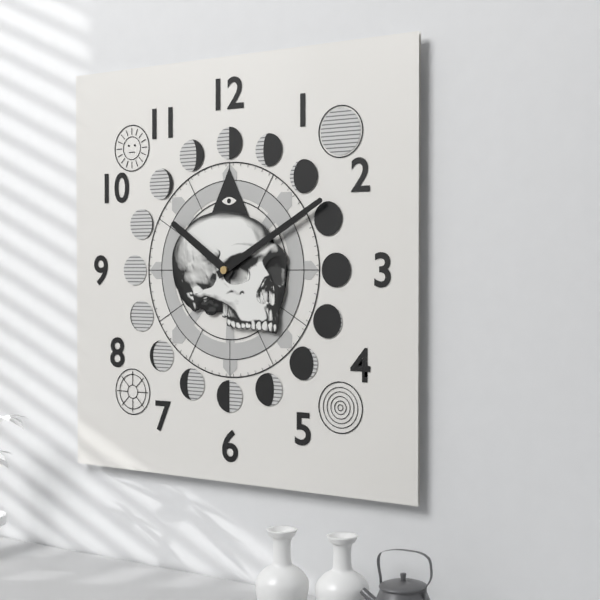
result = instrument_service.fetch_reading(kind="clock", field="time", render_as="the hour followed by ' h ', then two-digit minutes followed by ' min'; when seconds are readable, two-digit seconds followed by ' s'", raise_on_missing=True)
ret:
10 h 10 min
